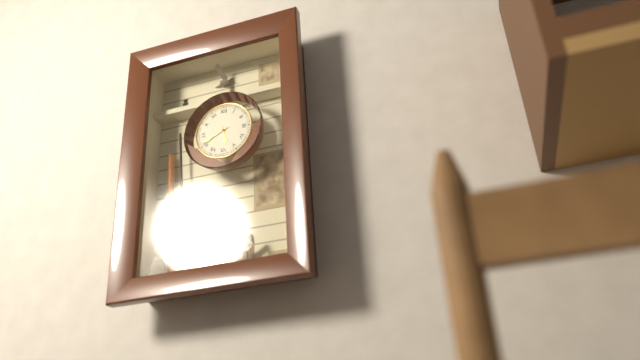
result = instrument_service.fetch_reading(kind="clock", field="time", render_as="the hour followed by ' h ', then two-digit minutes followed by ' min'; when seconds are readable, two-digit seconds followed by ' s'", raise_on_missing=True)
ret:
5 h 41 min
